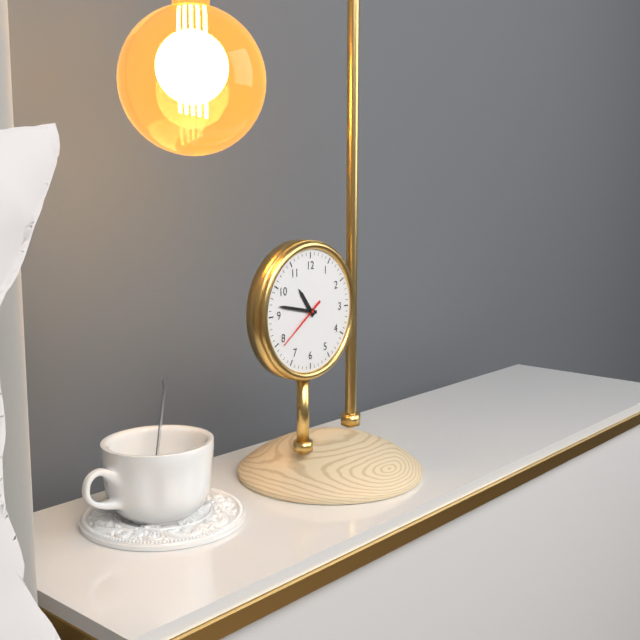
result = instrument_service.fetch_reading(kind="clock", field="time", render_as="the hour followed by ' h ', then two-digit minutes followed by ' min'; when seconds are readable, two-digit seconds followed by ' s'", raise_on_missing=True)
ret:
10 h 47 min 39 s
